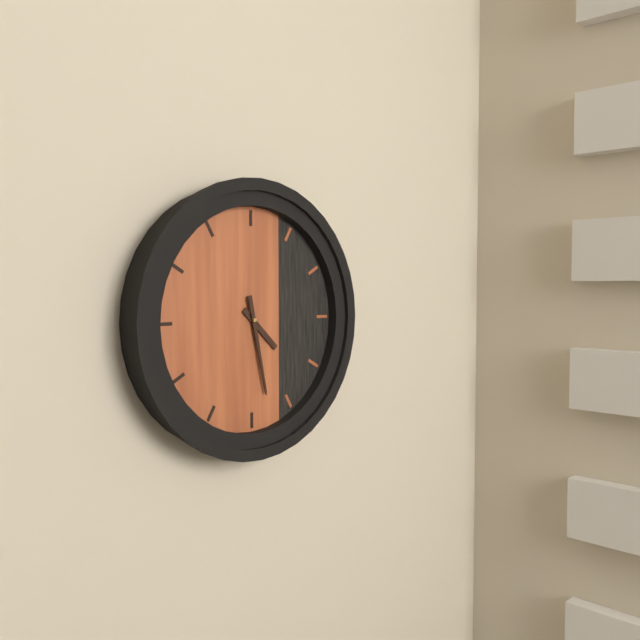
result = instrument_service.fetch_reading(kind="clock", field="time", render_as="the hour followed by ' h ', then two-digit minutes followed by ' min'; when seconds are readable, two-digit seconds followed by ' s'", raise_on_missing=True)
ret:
4 h 28 min
